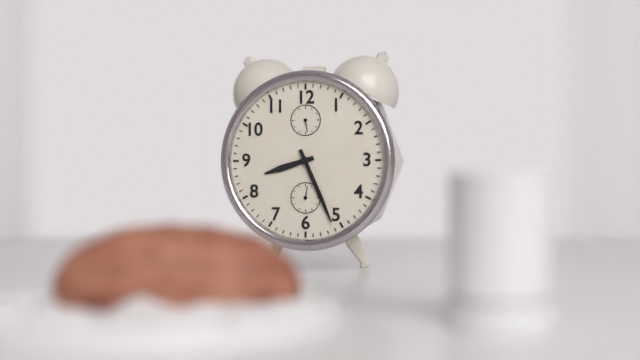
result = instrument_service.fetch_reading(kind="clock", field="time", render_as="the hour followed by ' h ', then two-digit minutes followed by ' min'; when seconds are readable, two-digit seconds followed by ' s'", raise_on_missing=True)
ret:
8 h 26 min
